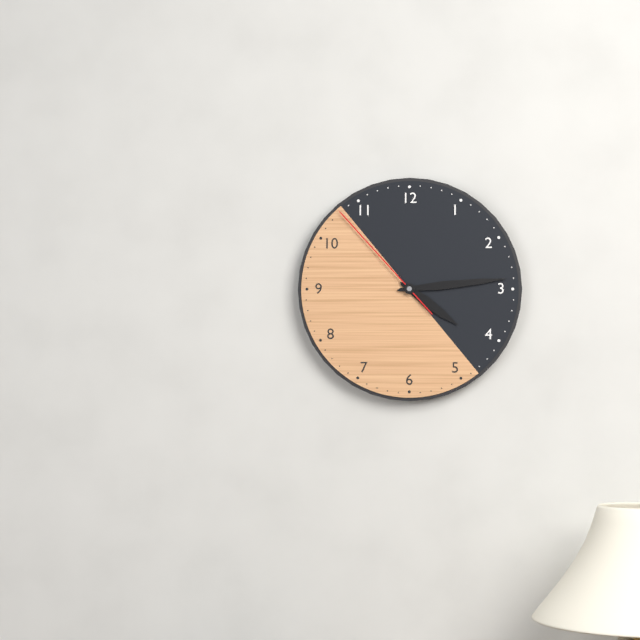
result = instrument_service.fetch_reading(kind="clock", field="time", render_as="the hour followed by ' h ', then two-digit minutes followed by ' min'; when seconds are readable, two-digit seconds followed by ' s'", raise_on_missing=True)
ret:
4 h 14 min 53 s
